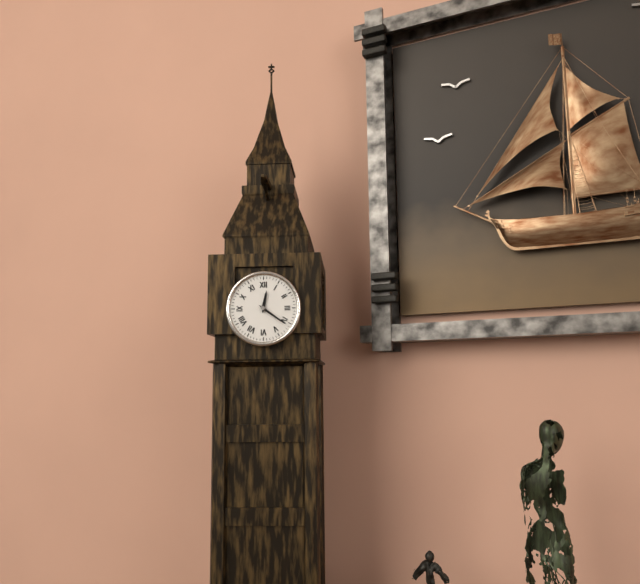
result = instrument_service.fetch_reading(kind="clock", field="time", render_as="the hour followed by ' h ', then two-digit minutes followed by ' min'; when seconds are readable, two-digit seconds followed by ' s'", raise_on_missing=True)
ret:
12 h 21 min
